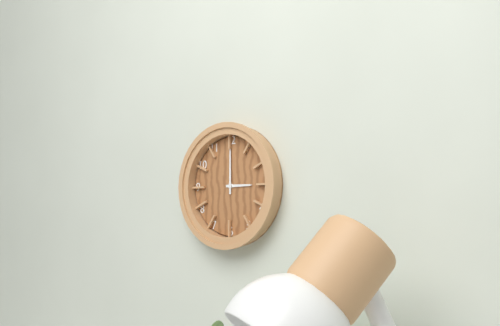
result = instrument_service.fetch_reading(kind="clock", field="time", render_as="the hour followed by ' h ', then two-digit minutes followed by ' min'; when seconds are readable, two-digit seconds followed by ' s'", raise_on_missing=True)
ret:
3 h 00 min
